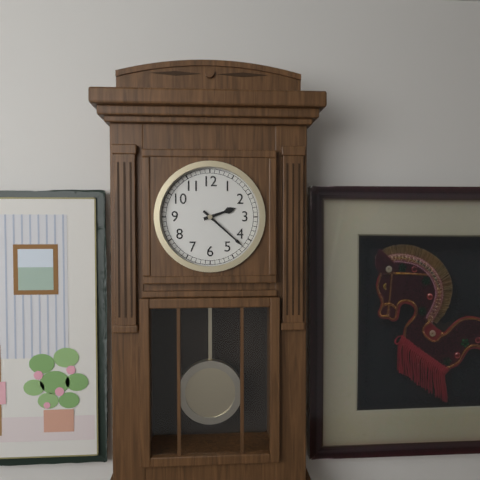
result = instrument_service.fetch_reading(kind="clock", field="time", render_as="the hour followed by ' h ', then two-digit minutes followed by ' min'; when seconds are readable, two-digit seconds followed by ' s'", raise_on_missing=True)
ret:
2 h 22 min
